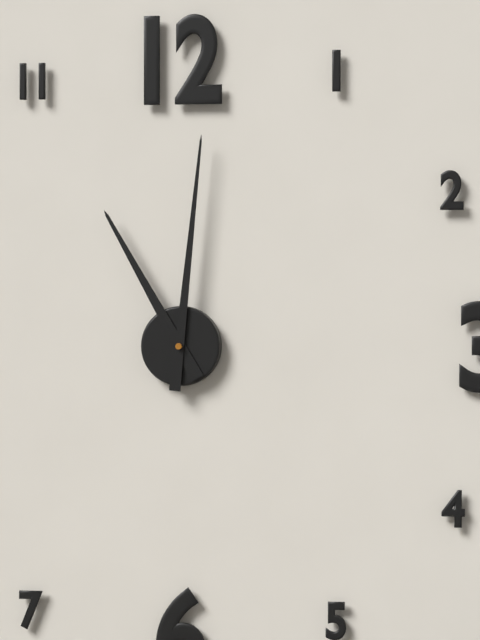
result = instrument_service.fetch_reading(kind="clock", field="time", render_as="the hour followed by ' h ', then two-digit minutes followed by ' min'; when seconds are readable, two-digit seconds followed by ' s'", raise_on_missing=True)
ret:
11 h 01 min
